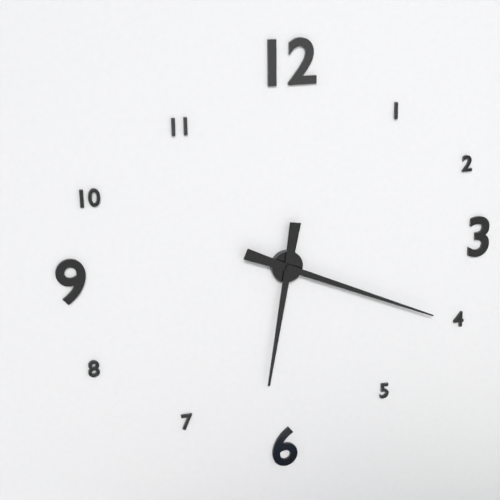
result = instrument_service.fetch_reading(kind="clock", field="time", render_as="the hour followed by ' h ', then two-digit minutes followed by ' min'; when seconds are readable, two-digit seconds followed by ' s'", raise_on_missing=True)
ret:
6 h 19 min
